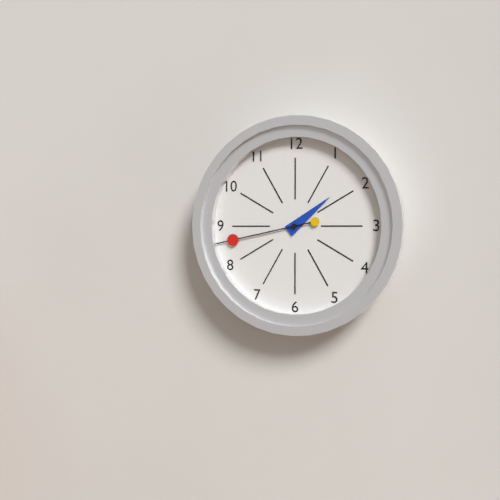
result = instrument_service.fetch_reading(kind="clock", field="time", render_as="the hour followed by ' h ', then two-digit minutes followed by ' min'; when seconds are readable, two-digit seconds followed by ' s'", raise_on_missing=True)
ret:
1 h 43 min
